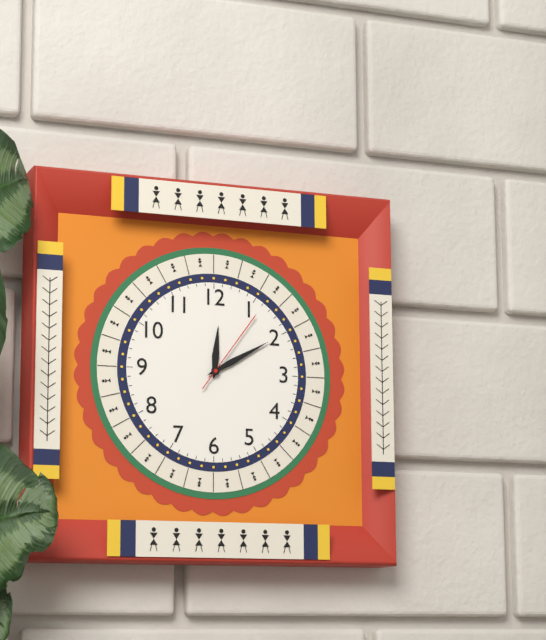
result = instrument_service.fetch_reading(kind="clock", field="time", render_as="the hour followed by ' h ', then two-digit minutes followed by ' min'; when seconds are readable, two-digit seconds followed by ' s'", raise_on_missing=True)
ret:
12 h 10 min 06 s
